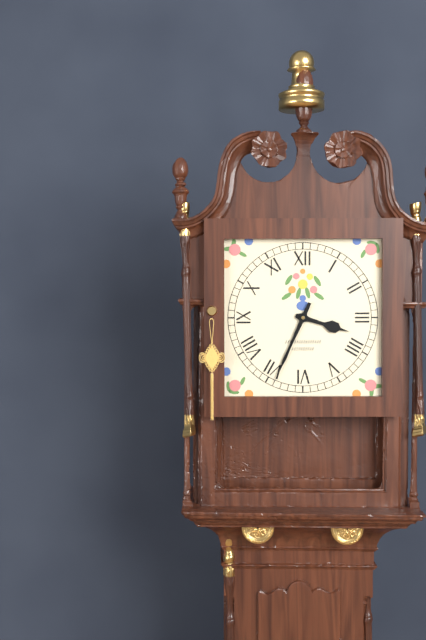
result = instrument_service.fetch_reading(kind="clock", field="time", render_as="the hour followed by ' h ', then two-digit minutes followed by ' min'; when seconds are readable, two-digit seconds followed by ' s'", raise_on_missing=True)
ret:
3 h 34 min
